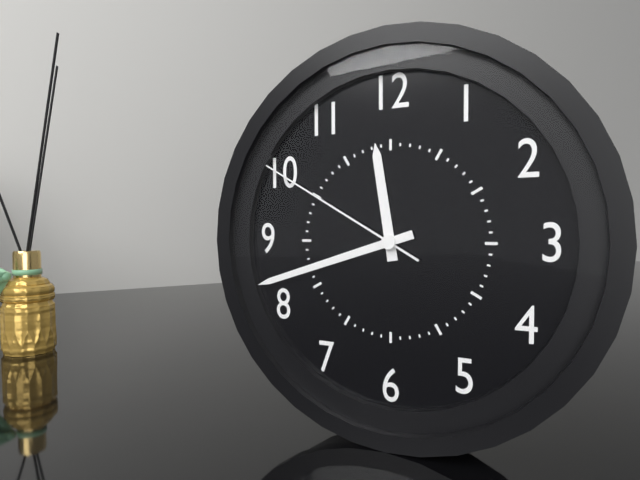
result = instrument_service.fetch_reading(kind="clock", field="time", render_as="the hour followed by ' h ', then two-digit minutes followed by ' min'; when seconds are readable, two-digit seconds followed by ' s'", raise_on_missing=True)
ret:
11 h 42 min 50 s
